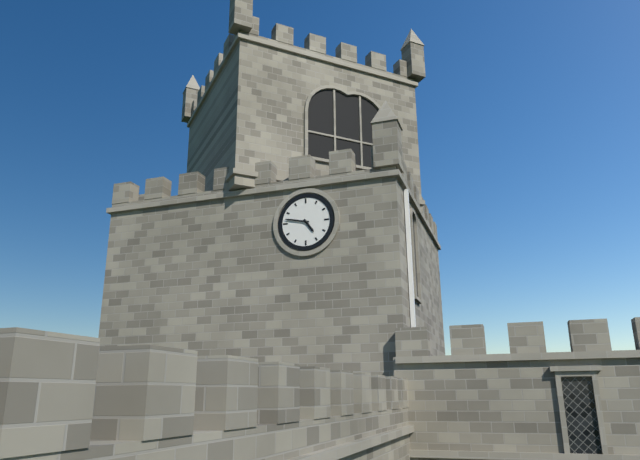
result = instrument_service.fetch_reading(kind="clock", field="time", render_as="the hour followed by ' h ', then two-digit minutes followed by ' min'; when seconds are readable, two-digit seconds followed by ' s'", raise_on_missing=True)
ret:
4 h 47 min
